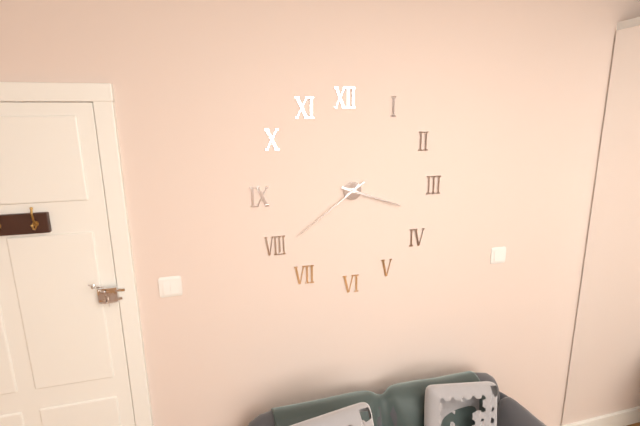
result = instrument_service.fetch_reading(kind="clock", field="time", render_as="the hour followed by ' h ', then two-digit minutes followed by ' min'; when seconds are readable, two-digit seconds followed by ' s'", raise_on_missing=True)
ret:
3 h 39 min
